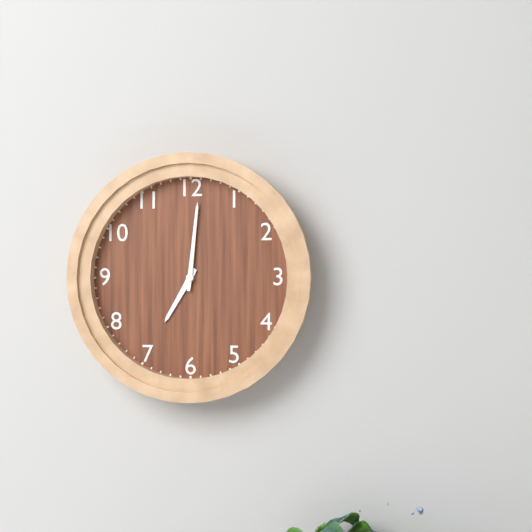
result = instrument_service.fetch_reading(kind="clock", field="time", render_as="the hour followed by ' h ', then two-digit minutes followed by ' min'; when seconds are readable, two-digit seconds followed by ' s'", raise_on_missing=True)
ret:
7 h 01 min
